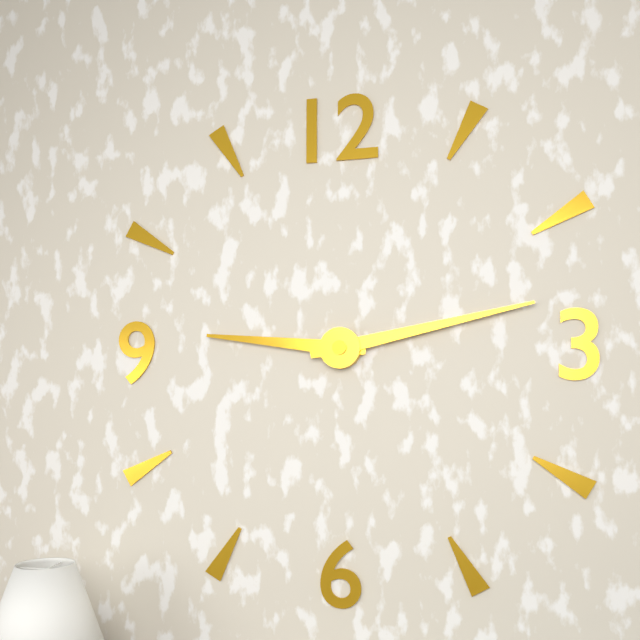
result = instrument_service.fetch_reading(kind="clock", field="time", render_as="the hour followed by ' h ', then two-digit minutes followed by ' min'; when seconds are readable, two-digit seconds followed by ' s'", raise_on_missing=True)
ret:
9 h 13 min
